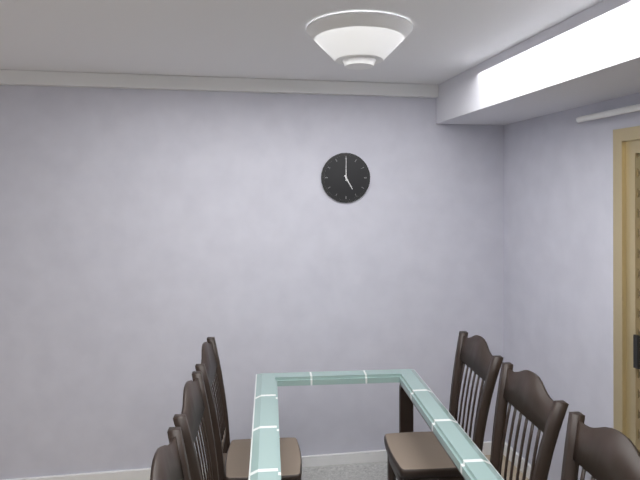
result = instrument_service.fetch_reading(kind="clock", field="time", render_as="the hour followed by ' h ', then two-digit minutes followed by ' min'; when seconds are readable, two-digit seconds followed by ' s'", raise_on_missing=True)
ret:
5 h 00 min
